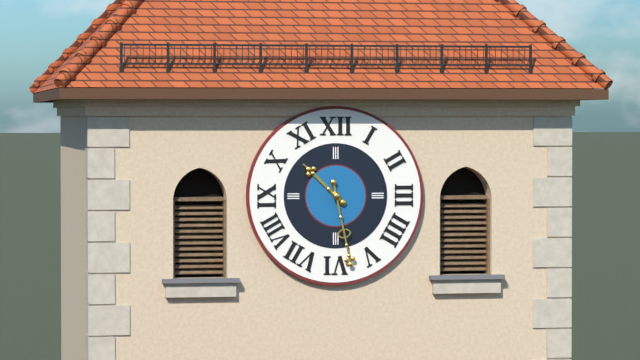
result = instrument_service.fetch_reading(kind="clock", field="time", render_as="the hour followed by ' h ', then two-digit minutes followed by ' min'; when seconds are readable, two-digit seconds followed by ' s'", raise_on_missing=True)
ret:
10 h 28 min
